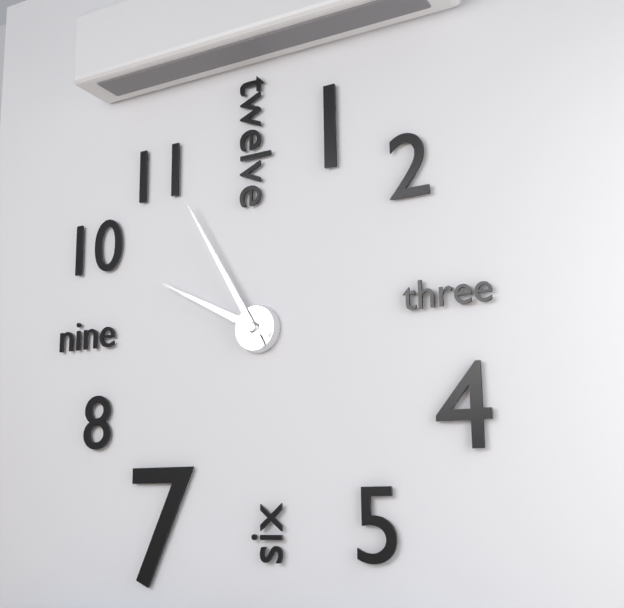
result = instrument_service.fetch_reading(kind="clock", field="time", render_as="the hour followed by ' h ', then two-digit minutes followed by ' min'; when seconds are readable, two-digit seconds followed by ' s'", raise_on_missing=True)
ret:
9 h 55 min
